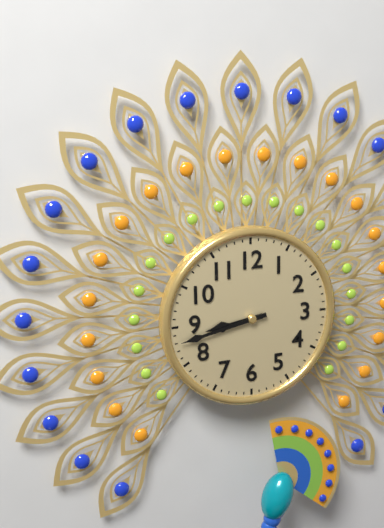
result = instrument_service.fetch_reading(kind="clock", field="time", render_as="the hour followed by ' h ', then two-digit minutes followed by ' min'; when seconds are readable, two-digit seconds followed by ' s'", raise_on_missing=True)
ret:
8 h 43 min
